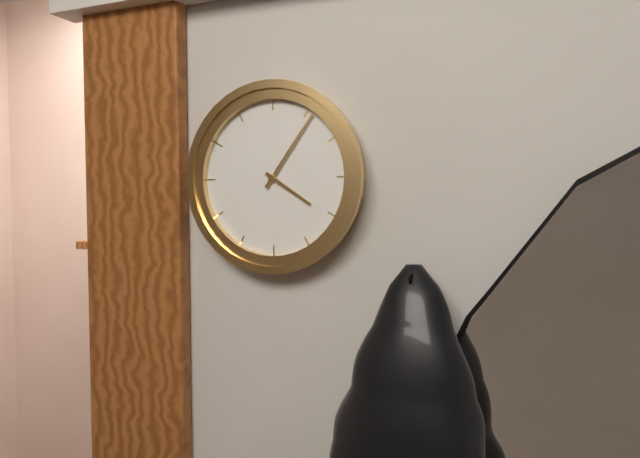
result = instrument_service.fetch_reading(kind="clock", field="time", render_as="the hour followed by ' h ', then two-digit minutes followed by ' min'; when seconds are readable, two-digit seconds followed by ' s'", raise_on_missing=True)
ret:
4 h 06 min
